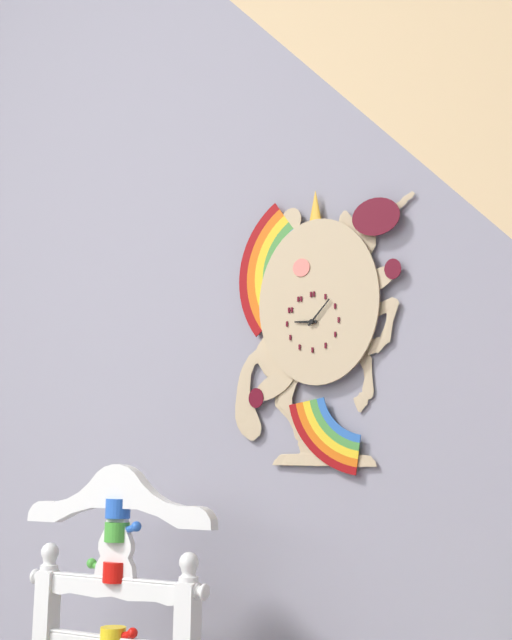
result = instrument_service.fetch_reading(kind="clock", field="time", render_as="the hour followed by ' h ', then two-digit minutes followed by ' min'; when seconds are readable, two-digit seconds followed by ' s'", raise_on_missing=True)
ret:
9 h 07 min
